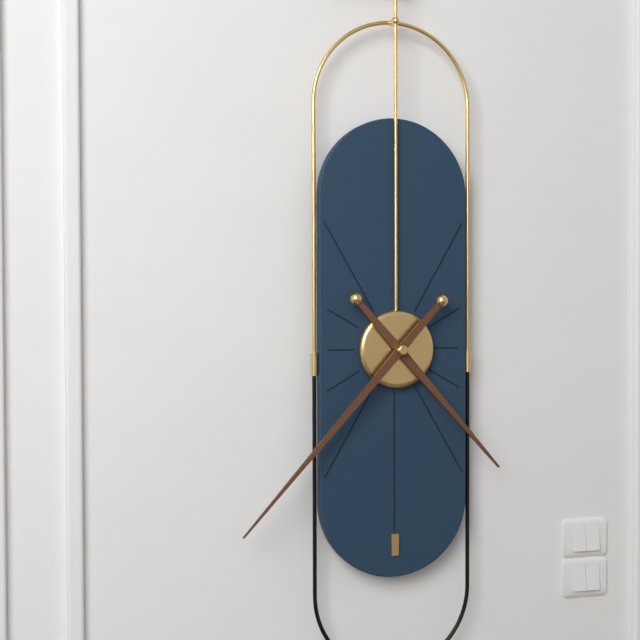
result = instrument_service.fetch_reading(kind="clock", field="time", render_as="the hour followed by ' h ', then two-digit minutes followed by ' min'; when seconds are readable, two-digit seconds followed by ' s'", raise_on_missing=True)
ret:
4 h 37 min
